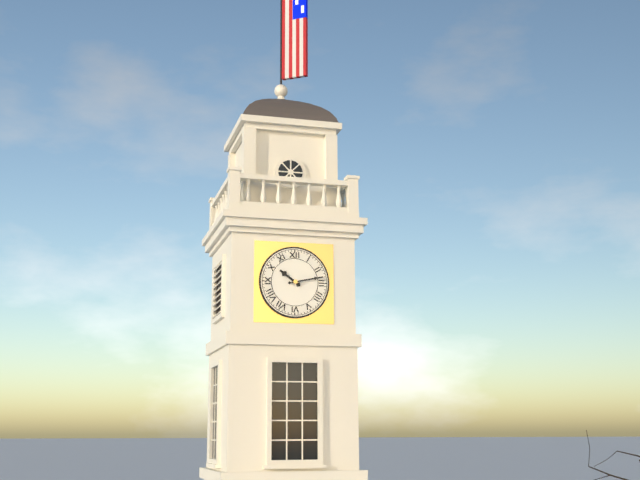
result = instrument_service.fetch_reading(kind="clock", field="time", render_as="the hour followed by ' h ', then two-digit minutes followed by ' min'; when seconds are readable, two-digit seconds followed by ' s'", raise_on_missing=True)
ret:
10 h 13 min
